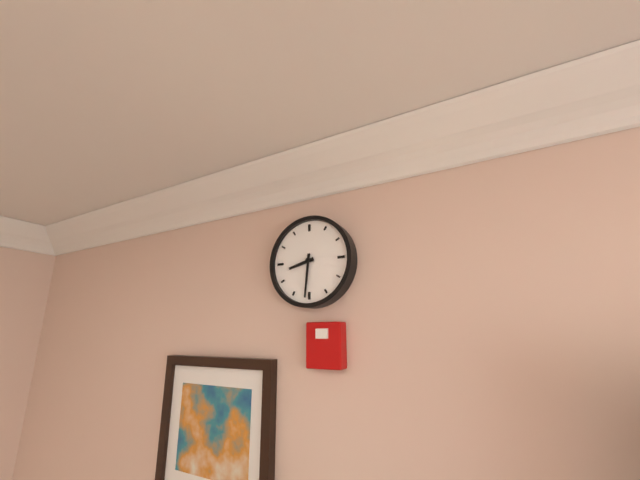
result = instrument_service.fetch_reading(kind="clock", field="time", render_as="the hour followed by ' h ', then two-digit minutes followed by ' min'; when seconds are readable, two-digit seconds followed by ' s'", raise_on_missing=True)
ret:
8 h 31 min
